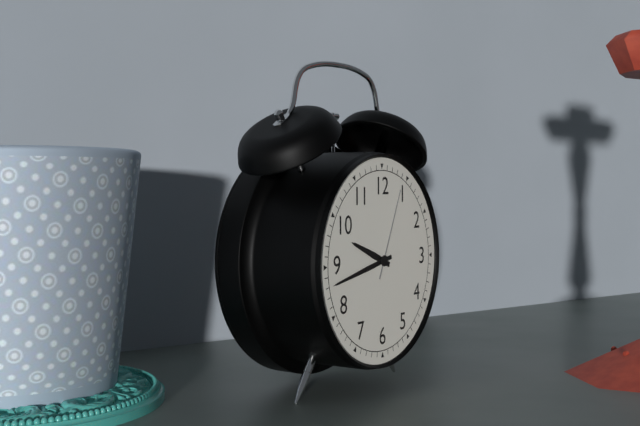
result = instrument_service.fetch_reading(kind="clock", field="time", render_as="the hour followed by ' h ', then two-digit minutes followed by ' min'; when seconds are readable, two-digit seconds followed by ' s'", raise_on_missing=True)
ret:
9 h 43 min 04 s
